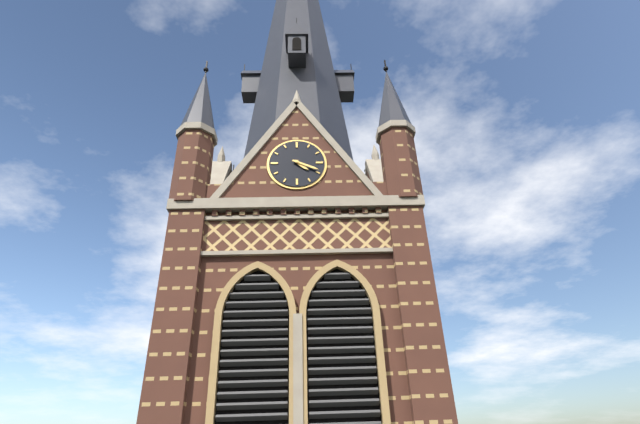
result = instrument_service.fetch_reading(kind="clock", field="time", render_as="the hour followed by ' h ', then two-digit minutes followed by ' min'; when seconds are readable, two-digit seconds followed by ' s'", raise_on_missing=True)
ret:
4 h 19 min
